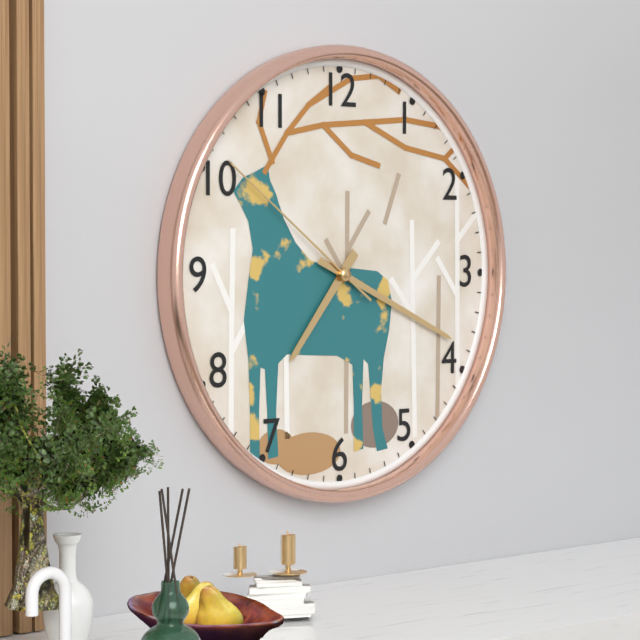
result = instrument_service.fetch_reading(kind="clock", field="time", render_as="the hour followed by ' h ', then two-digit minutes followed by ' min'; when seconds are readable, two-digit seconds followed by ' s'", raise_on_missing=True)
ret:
7 h 19 min 51 s
